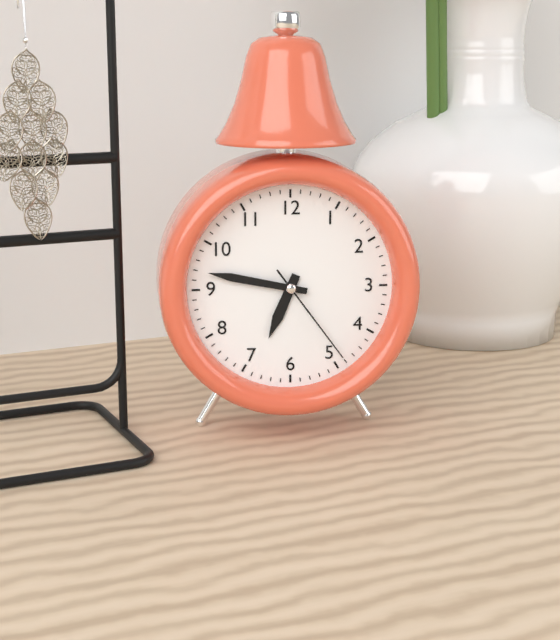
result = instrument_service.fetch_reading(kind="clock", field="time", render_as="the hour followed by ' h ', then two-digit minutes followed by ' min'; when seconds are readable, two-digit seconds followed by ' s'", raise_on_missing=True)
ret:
6 h 47 min 24 s
